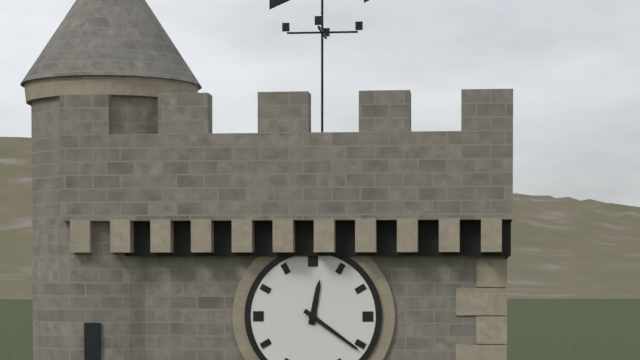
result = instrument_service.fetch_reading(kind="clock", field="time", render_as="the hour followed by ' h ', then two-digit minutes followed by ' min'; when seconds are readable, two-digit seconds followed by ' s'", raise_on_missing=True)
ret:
12 h 21 min
